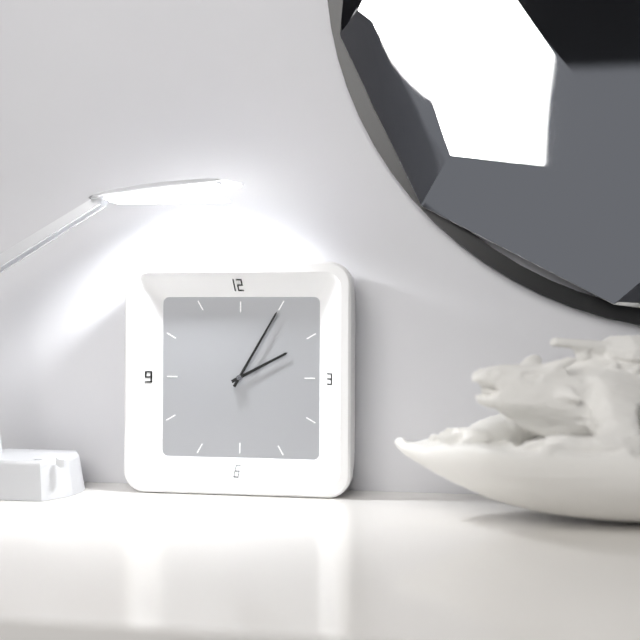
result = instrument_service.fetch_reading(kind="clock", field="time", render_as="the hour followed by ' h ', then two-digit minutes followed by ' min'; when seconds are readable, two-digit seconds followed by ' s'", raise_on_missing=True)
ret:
2 h 05 min
